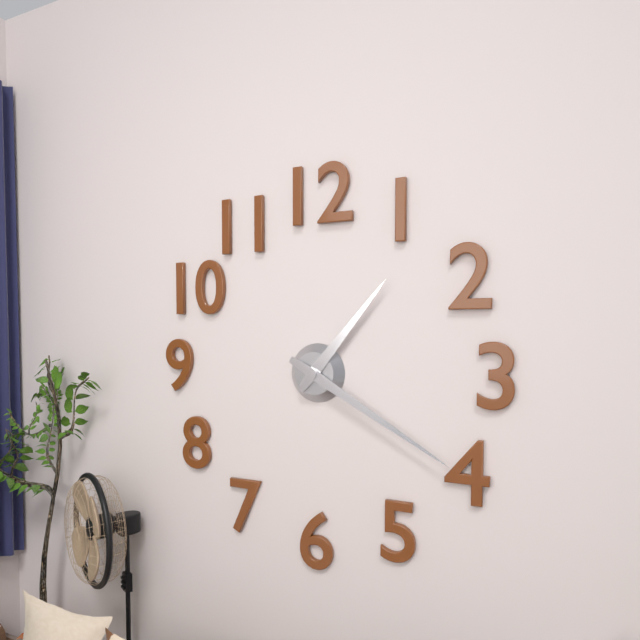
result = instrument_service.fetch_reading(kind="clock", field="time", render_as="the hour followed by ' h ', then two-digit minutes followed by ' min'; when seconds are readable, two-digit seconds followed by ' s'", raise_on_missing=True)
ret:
1 h 20 min
